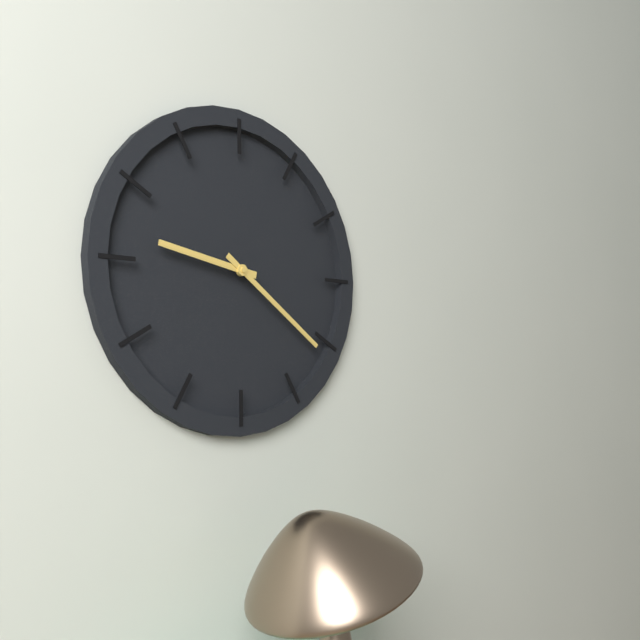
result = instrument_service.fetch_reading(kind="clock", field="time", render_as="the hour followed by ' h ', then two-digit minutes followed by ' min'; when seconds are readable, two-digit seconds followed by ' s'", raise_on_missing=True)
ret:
9 h 21 min
